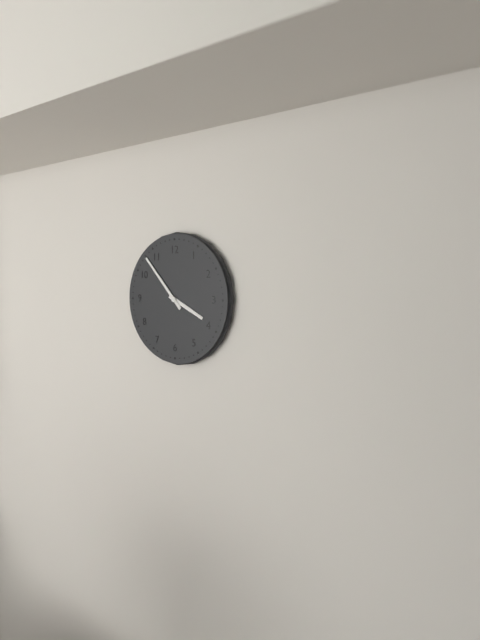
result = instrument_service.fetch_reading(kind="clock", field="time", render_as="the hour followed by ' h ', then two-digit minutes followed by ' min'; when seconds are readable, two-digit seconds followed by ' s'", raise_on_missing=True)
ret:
3 h 53 min
